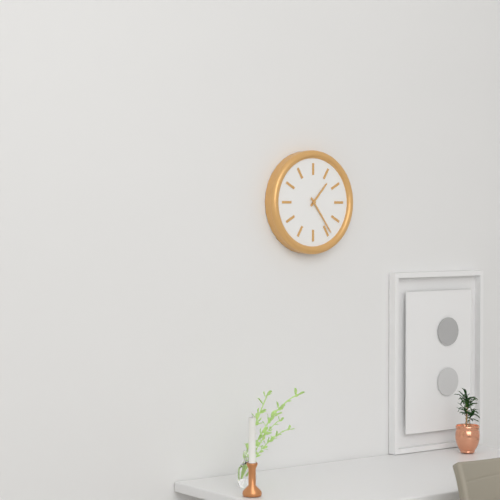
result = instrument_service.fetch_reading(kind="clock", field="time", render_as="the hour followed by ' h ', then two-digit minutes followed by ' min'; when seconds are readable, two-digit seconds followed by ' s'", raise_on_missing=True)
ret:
1 h 24 min
